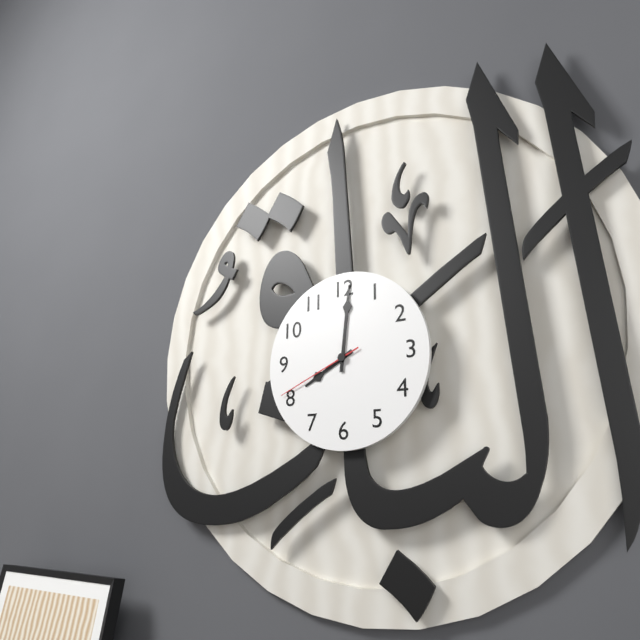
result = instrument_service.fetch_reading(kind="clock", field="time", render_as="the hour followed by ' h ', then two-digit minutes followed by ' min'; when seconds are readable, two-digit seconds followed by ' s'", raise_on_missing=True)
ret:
8 h 01 min 41 s
